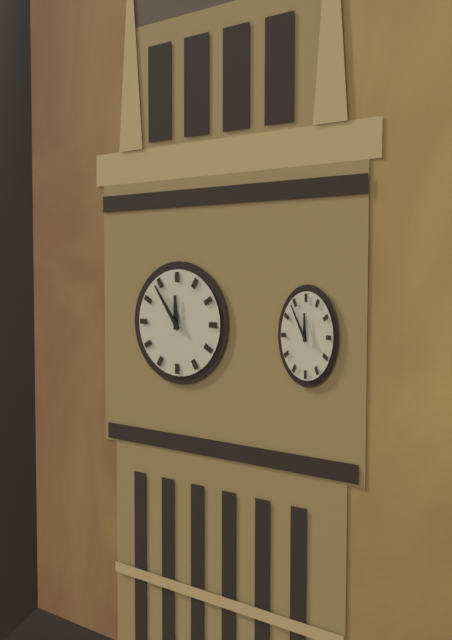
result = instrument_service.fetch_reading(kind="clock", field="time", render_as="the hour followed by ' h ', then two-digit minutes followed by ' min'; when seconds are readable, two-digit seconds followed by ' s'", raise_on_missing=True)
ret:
11 h 54 min
